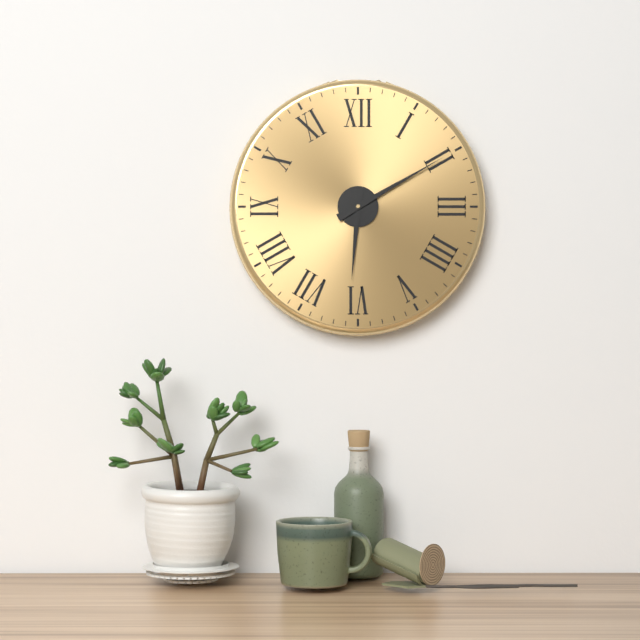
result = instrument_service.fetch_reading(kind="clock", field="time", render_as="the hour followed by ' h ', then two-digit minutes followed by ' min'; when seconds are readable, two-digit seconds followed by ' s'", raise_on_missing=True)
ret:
6 h 10 min
